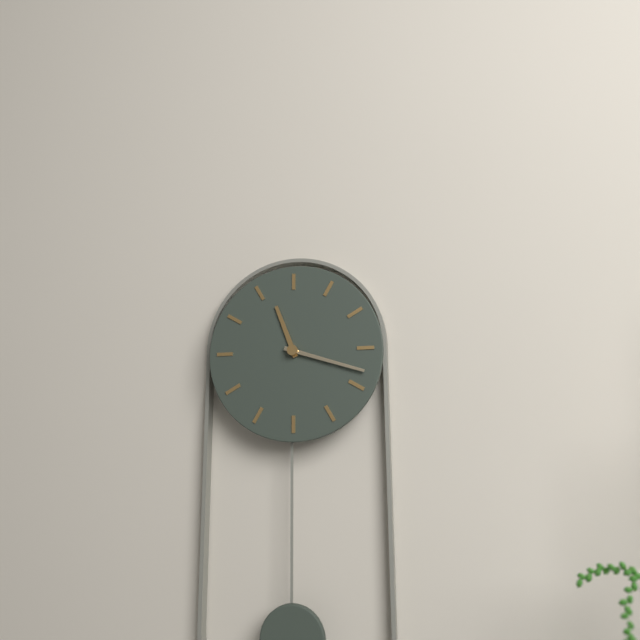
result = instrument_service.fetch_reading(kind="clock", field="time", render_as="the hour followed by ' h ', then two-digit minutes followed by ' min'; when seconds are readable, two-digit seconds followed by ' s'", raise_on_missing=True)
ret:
11 h 18 min
